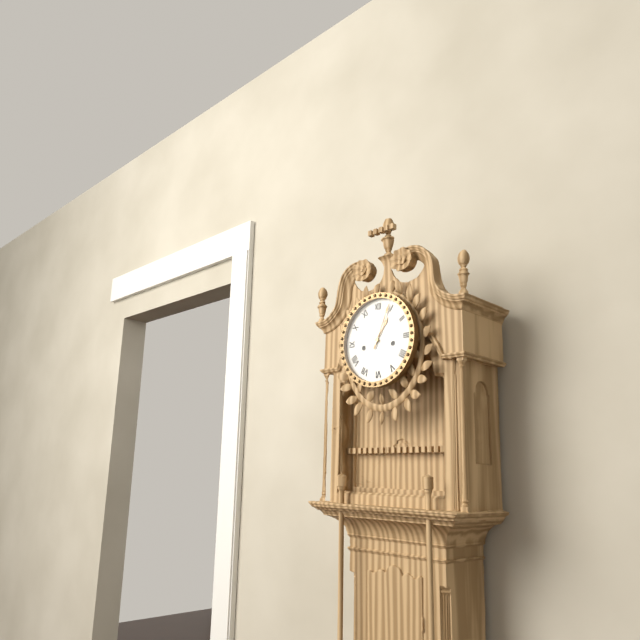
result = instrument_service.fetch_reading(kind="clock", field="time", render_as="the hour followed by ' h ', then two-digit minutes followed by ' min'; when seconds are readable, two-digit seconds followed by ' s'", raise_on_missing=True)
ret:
1 h 04 min
